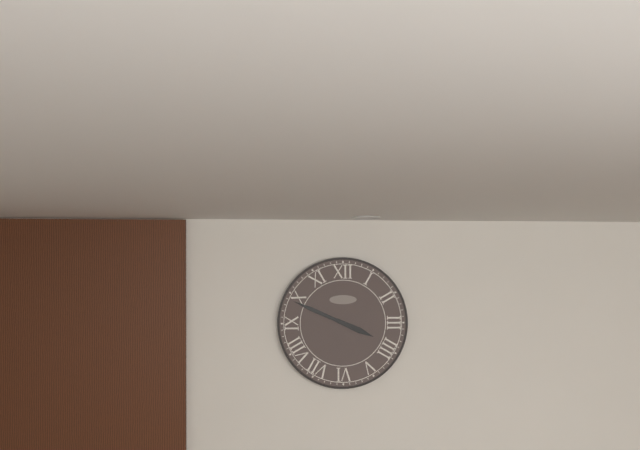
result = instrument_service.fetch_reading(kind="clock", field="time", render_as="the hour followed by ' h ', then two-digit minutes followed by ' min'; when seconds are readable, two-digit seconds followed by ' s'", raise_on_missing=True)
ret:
3 h 49 min
